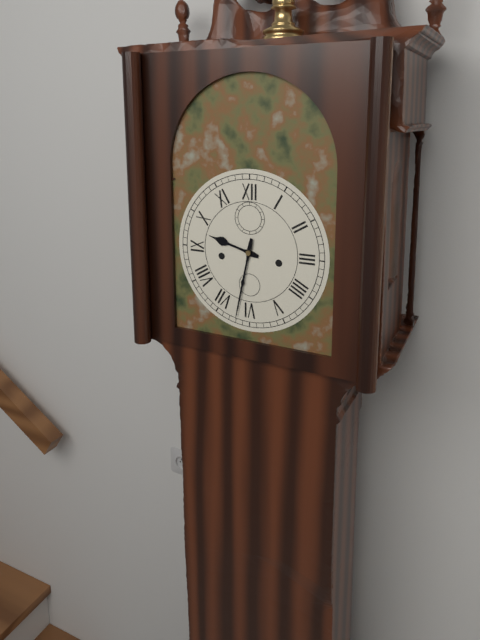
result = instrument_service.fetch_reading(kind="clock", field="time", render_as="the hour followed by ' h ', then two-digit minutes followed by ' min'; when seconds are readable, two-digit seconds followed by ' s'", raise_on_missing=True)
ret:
9 h 32 min
